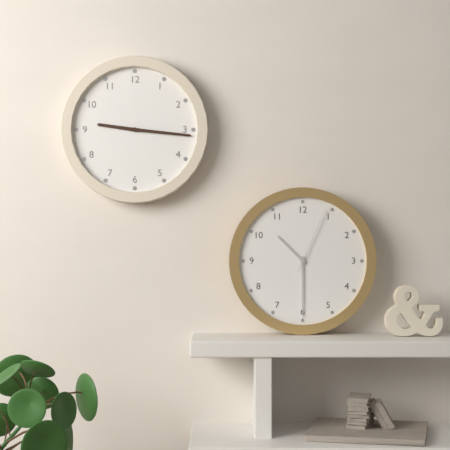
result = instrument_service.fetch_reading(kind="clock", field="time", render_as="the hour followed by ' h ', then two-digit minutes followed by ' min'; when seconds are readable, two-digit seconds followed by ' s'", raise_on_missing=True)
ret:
9 h 16 min
